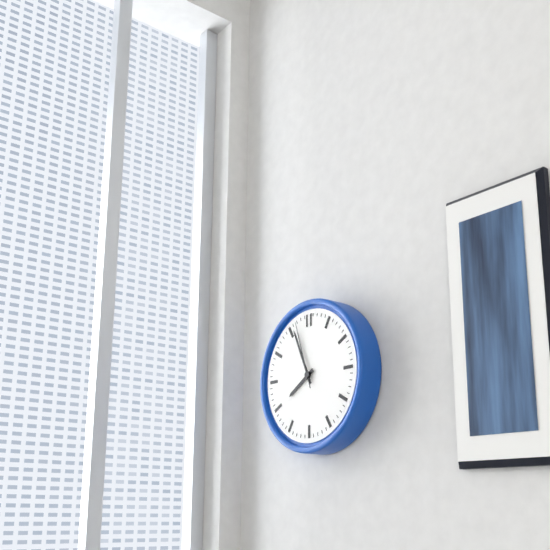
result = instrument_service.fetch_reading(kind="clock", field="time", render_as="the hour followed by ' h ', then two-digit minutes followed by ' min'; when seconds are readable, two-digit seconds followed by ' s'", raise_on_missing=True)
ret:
7 h 56 min 57 s
